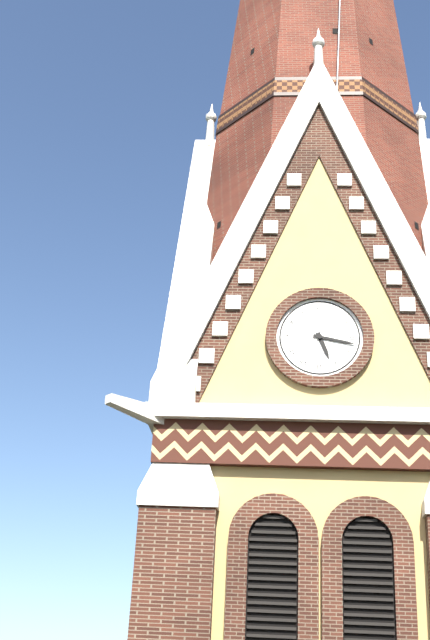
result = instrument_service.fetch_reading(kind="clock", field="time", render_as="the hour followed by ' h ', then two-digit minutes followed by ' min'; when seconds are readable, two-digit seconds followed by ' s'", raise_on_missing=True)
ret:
5 h 17 min
